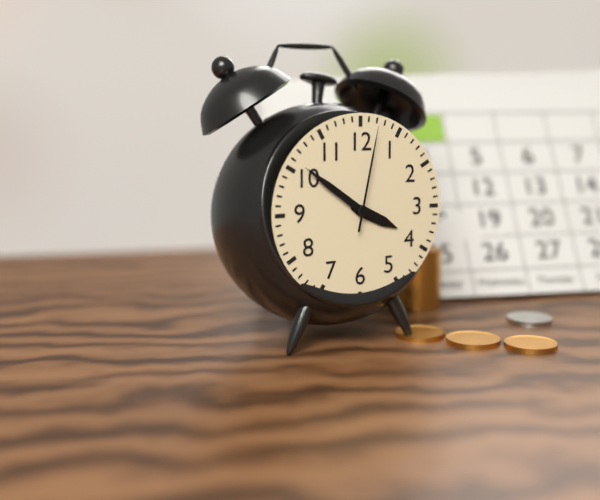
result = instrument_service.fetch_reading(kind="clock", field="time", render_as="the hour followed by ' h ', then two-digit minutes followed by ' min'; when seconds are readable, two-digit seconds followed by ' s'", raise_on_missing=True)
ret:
3 h 51 min 02 s
